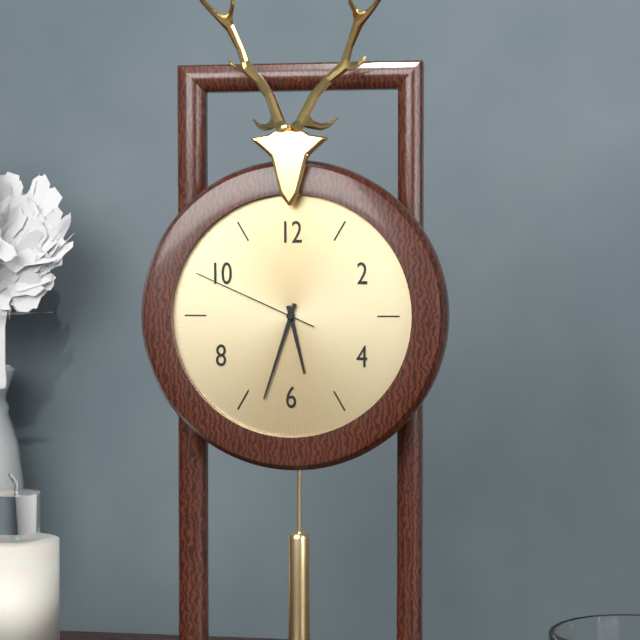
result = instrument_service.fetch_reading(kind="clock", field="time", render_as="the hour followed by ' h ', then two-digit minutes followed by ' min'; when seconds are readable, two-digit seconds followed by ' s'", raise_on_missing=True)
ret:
5 h 33 min 49 s
